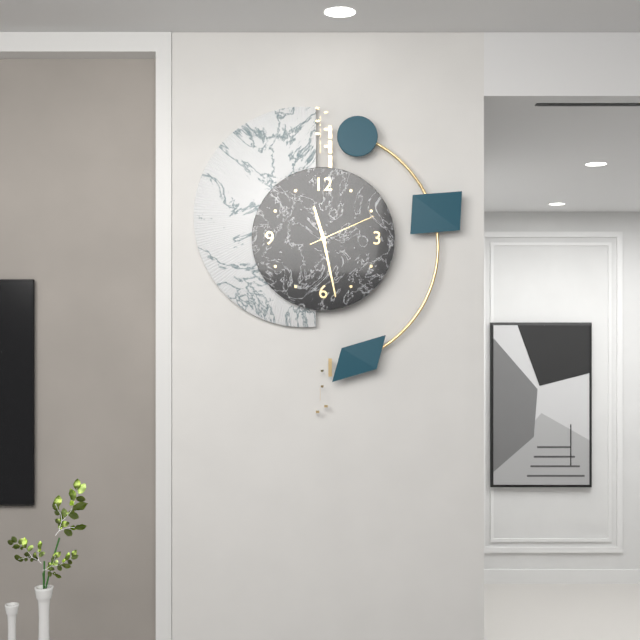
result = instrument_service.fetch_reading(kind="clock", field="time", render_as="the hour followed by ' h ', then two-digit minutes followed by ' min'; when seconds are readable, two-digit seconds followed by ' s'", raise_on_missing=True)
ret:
11 h 28 min 11 s
